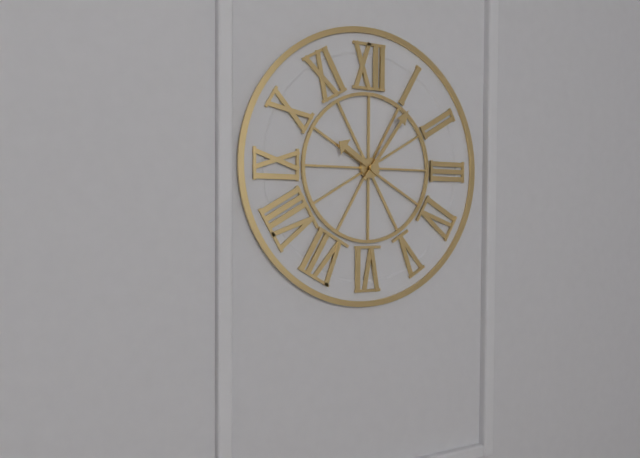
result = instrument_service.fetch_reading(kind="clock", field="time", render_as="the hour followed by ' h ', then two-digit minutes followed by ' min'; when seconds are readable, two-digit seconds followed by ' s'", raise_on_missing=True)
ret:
10 h 06 min
